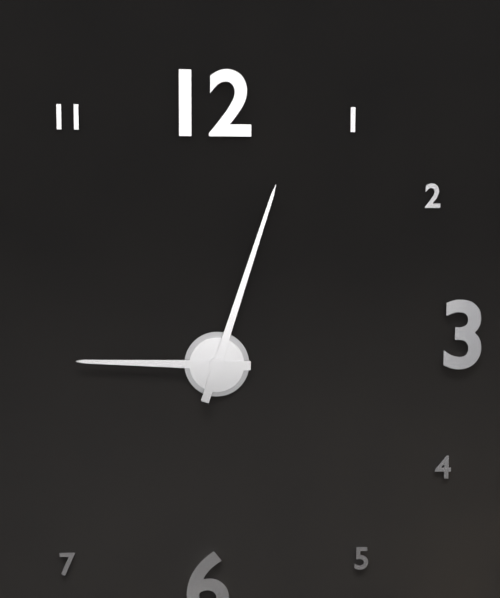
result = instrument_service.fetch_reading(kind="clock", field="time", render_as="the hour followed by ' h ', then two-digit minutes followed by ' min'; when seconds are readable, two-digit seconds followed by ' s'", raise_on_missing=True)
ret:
9 h 03 min
